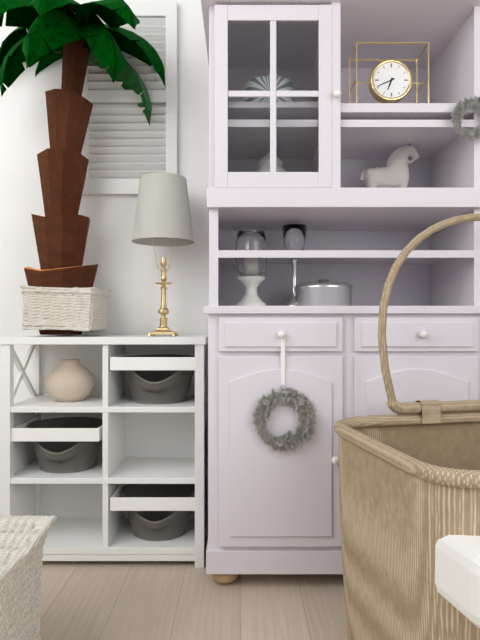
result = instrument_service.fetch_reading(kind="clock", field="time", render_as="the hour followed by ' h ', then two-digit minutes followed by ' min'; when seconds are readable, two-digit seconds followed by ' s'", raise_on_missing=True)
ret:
6 h 41 min
